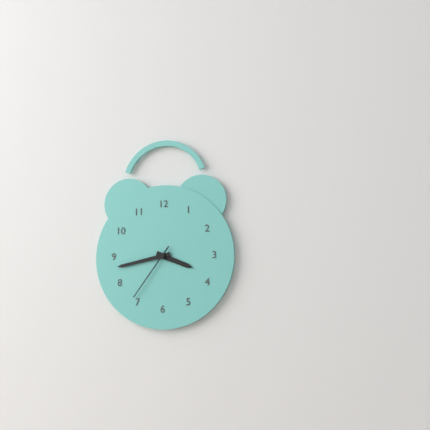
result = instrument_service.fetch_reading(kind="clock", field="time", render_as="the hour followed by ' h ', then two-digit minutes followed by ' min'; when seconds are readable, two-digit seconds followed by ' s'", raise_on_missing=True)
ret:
3 h 43 min 36 s
